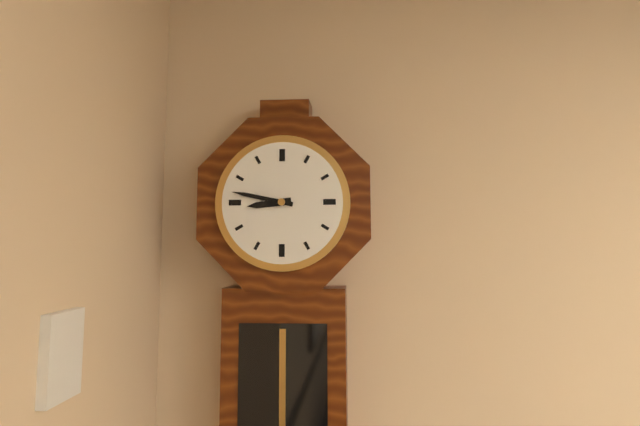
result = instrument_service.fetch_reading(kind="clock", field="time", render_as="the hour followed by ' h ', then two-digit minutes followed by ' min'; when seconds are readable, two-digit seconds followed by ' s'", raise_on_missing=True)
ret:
8 h 47 min
